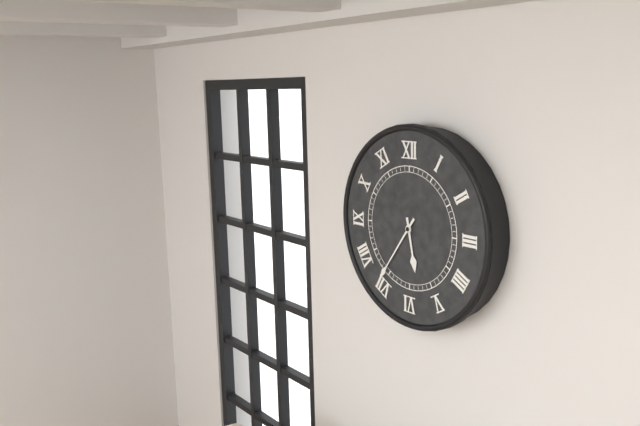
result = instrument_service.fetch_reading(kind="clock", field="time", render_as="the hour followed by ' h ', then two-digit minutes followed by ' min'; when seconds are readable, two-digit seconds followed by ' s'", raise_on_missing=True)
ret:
5 h 36 min
